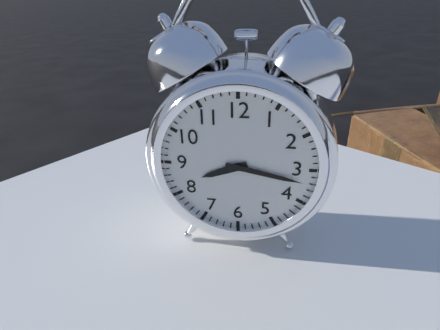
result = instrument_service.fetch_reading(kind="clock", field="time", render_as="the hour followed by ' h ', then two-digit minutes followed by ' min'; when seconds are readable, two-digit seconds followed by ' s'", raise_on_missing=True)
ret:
8 h 17 min
